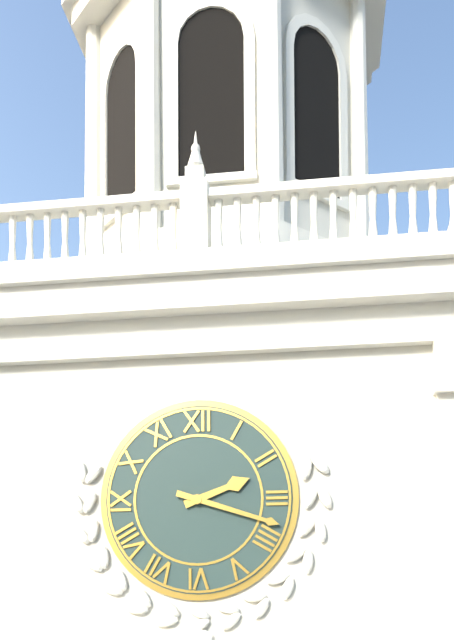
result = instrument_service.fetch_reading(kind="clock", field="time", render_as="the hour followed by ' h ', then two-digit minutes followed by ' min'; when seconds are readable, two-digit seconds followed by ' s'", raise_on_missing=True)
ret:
2 h 18 min
